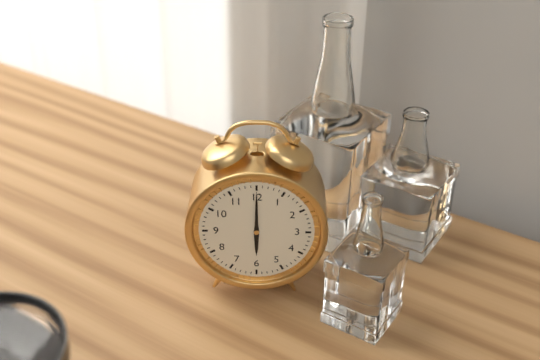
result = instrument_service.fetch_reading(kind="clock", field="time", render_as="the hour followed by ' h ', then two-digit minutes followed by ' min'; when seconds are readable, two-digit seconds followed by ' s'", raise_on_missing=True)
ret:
6 h 00 min
